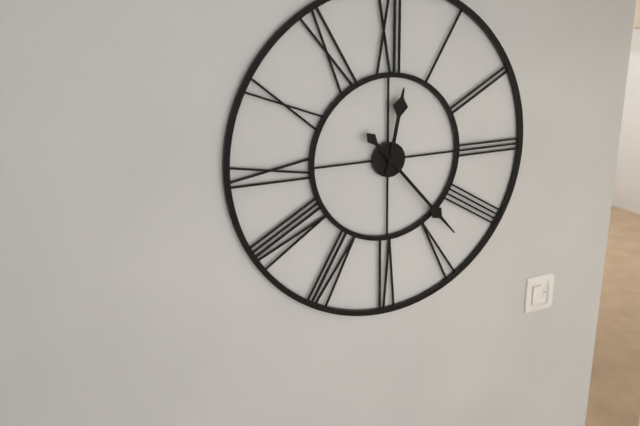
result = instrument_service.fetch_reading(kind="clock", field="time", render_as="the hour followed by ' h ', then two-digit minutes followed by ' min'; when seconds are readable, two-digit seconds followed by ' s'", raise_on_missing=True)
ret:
12 h 23 min
